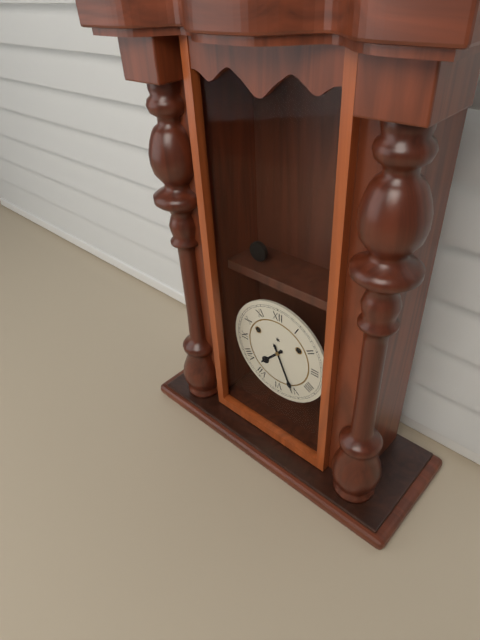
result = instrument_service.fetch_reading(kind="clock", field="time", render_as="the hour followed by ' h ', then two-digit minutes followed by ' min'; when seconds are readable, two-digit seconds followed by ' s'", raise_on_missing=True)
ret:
7 h 26 min
